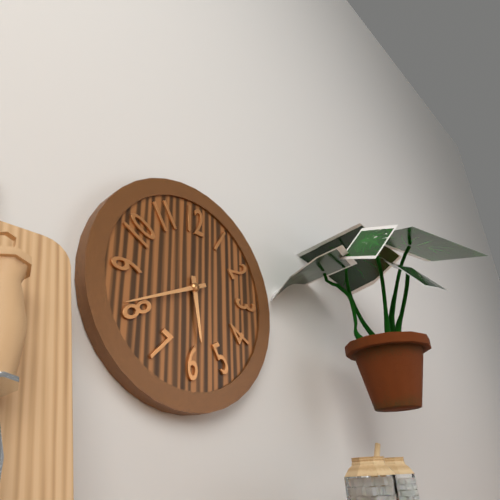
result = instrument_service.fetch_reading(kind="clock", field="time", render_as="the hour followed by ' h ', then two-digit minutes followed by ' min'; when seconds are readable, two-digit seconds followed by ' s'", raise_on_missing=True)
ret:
5 h 41 min
